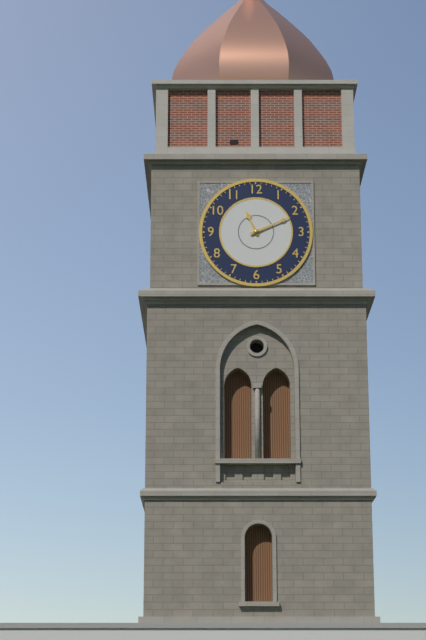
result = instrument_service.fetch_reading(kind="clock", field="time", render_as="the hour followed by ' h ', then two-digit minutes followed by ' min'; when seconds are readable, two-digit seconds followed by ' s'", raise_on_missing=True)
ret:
11 h 11 min
